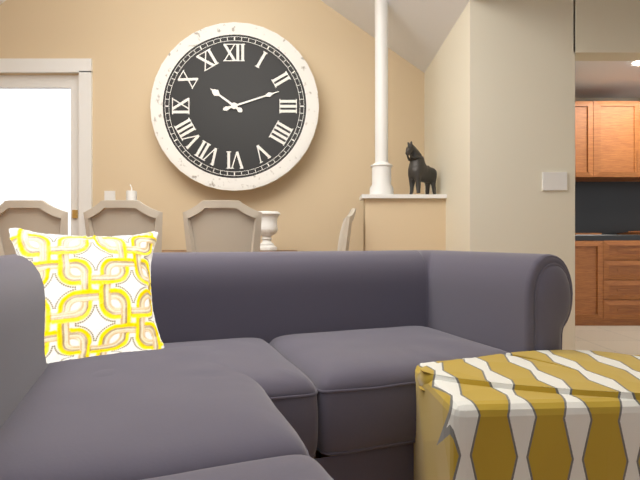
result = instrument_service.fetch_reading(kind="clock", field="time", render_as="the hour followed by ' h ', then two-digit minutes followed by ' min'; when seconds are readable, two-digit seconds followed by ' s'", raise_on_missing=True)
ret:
10 h 12 min
